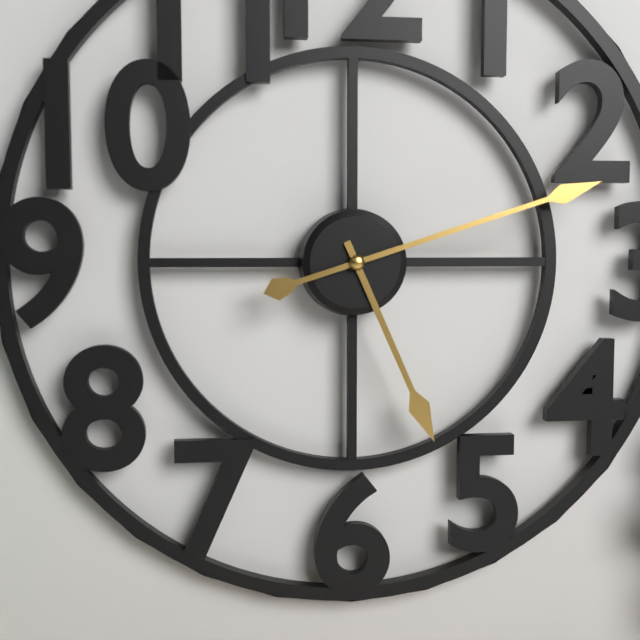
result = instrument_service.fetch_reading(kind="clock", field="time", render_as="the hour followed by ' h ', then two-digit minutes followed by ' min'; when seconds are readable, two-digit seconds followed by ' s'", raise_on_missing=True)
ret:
5 h 12 min
